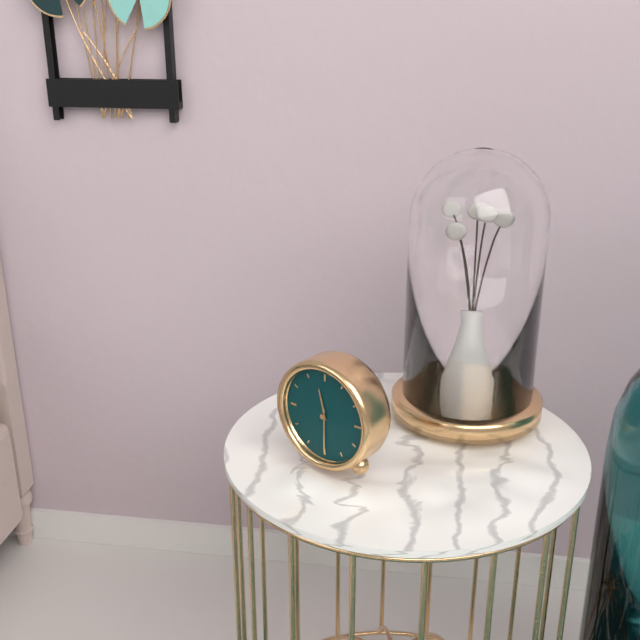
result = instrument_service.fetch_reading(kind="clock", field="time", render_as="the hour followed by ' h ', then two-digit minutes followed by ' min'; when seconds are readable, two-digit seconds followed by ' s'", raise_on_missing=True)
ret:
11 h 30 min
